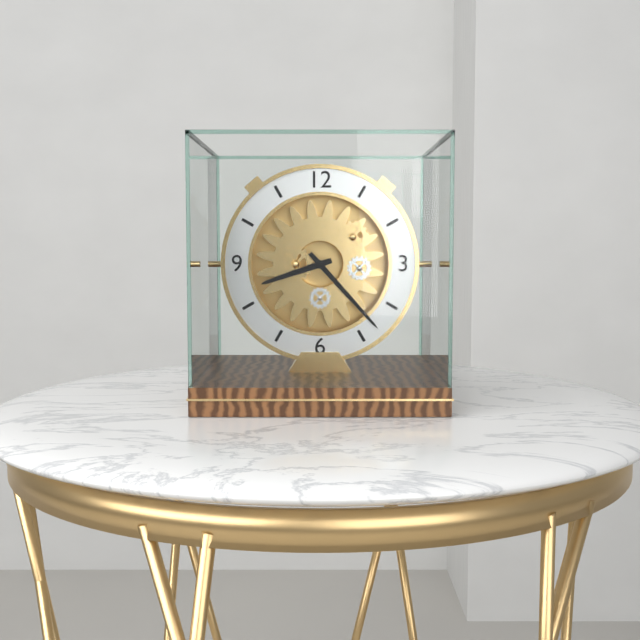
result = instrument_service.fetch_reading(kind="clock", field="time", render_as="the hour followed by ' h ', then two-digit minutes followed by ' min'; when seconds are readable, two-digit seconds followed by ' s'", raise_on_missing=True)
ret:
8 h 23 min
